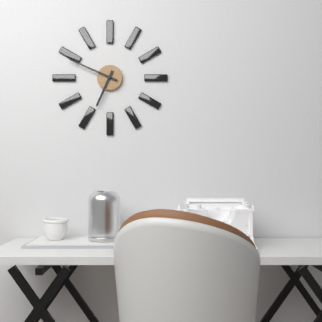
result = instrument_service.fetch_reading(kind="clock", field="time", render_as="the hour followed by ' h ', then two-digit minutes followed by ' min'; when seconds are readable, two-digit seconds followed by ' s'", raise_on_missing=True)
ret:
6 h 49 min
